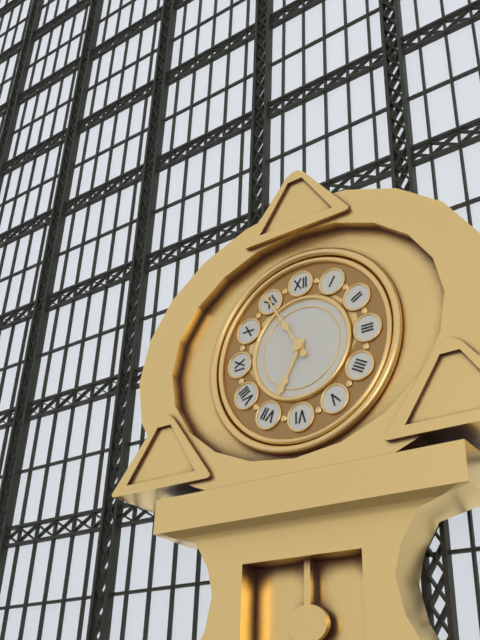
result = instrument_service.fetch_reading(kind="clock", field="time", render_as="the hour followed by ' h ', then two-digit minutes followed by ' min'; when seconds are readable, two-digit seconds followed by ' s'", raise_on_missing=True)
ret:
6 h 55 min
